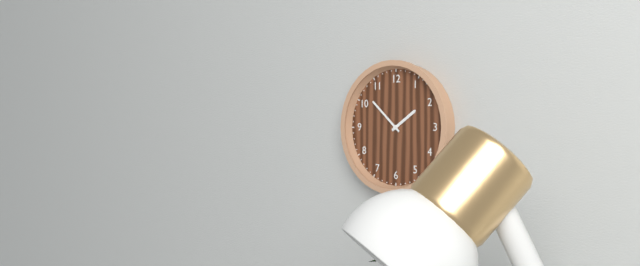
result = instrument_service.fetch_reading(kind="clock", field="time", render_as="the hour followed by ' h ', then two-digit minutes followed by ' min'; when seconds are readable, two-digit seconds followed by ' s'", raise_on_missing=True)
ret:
1 h 52 min
